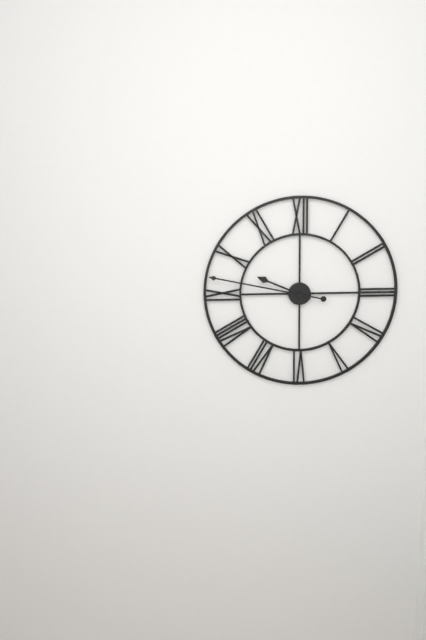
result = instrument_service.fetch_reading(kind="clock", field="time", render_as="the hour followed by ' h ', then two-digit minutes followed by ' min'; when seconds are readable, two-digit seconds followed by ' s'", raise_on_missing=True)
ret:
9 h 47 min
